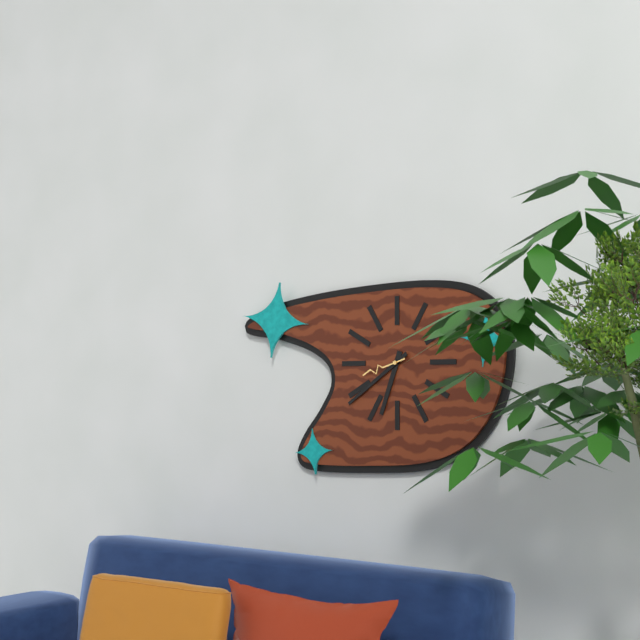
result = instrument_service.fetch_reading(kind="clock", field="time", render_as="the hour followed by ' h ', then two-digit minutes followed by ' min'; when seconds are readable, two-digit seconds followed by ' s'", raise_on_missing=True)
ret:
6 h 39 min 42 s
